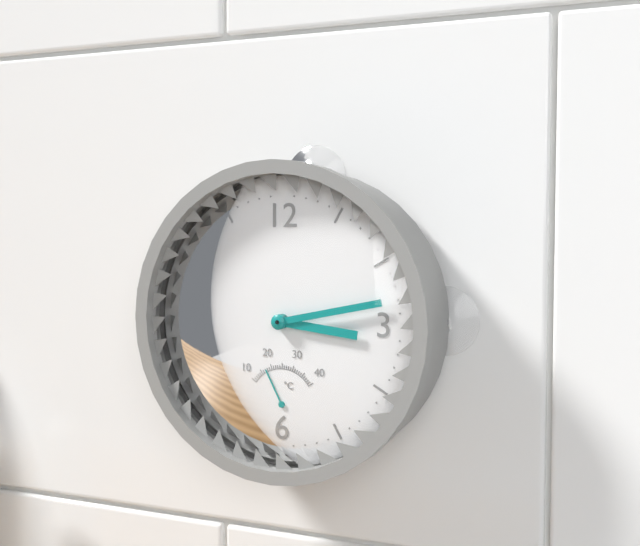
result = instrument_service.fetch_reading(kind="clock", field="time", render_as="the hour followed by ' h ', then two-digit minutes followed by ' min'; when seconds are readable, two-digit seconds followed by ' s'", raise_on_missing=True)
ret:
3 h 13 min
